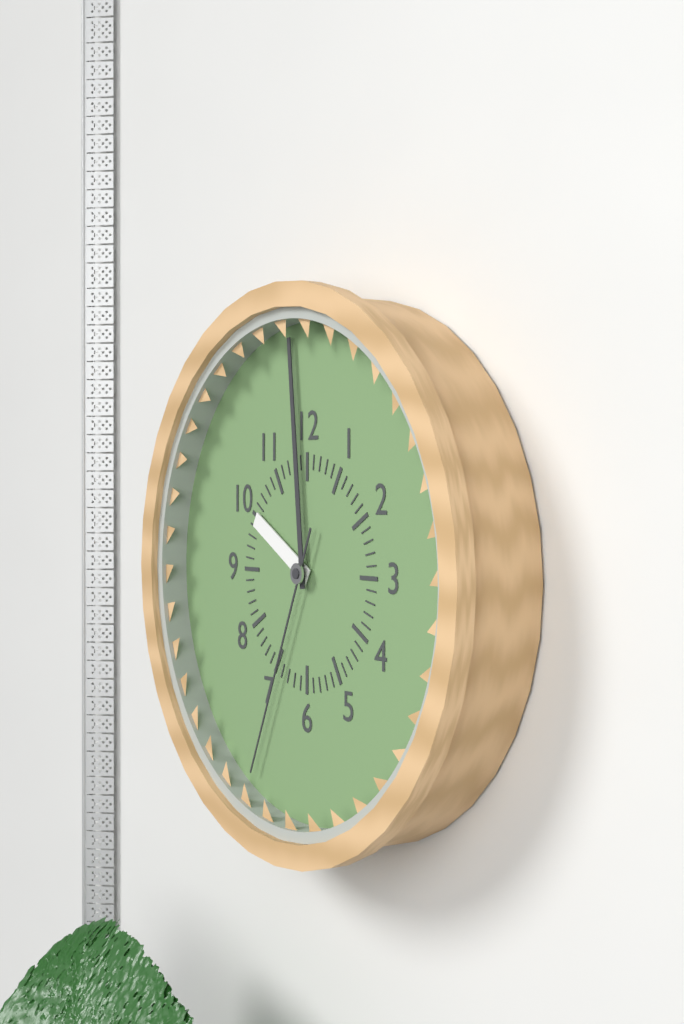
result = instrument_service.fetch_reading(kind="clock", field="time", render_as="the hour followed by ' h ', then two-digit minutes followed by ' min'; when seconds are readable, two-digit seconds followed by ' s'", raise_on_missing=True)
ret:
9 h 59 min 34 s
